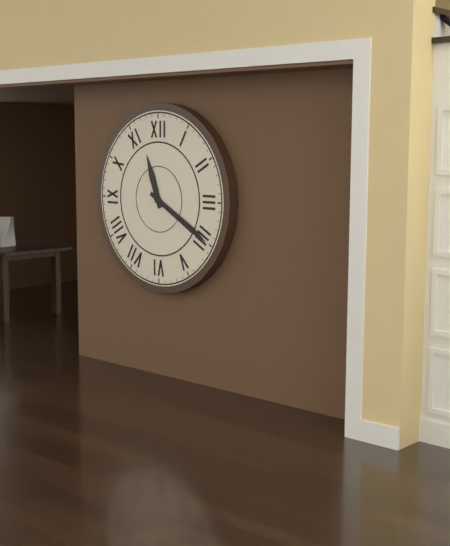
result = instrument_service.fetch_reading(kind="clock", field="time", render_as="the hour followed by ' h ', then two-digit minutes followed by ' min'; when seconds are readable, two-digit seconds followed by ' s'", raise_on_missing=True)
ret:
11 h 20 min
